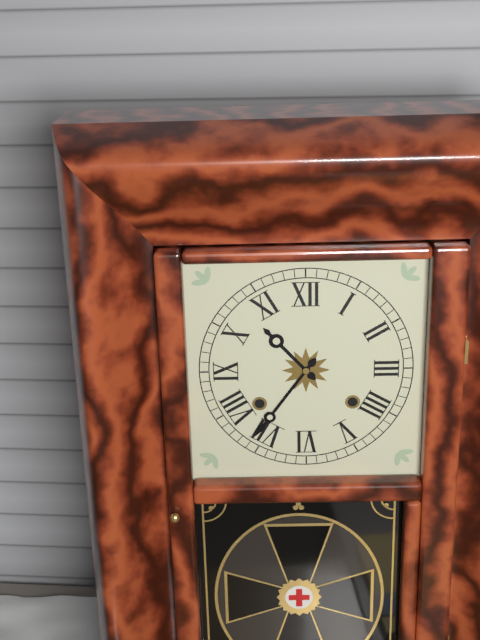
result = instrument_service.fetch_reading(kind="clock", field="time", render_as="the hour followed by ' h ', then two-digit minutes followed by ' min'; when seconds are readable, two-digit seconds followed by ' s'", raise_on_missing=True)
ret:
10 h 36 min
